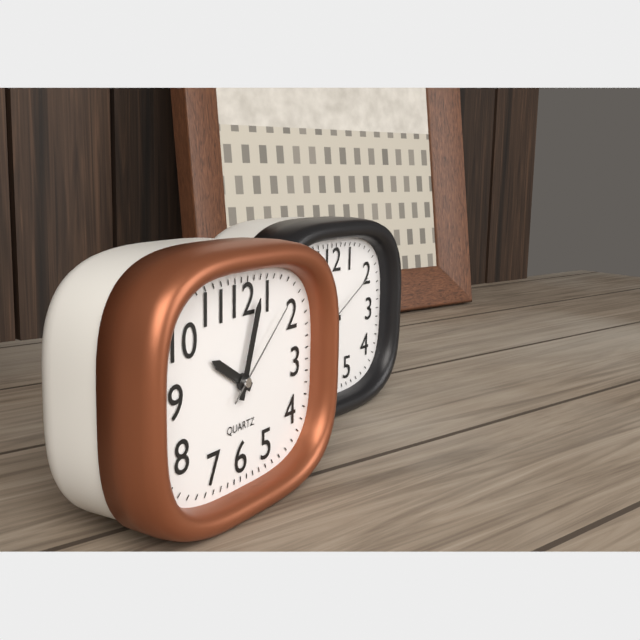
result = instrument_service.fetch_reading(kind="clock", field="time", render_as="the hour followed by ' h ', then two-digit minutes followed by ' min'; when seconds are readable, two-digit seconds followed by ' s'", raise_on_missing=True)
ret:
10 h 03 min 08 s
